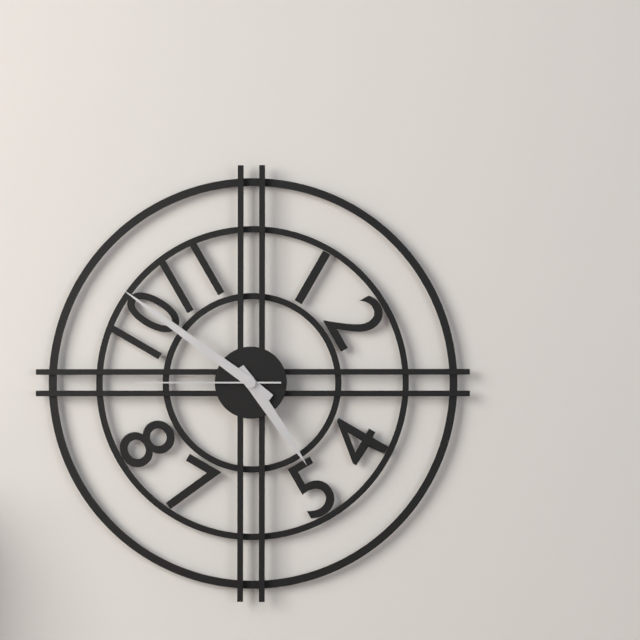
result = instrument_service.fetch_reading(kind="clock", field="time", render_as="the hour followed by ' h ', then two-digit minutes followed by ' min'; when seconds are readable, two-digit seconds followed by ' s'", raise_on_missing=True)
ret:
4 h 51 min 45 s
